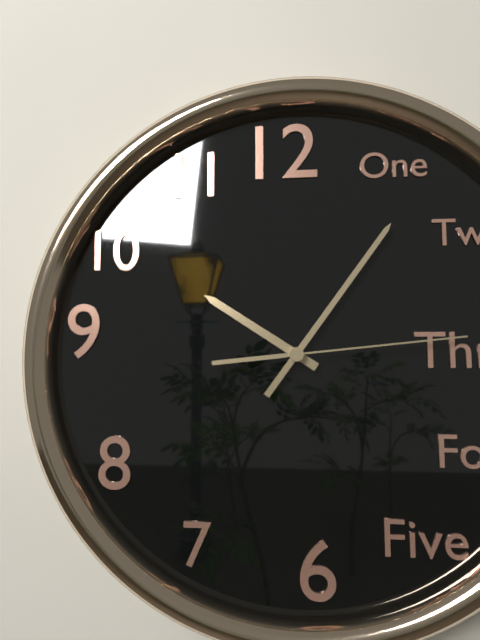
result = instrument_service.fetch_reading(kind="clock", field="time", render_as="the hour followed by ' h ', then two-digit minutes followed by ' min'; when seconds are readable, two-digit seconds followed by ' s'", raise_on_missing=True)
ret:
10 h 06 min 14 s
